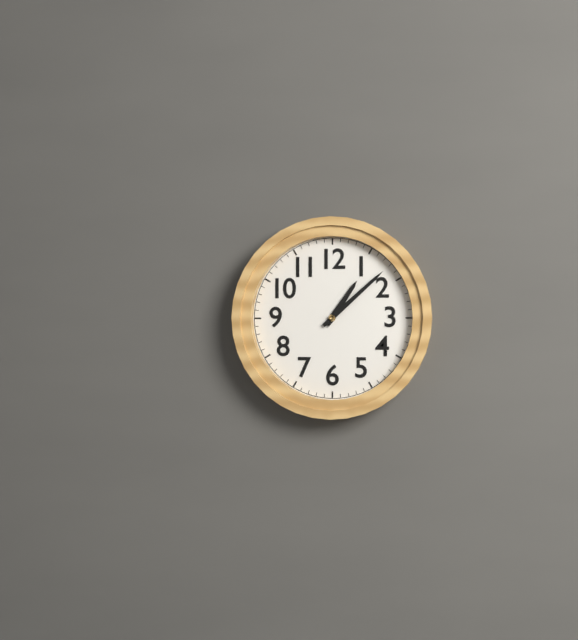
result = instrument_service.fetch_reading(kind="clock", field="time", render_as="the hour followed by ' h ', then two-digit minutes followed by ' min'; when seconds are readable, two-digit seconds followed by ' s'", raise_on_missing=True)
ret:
1 h 08 min
